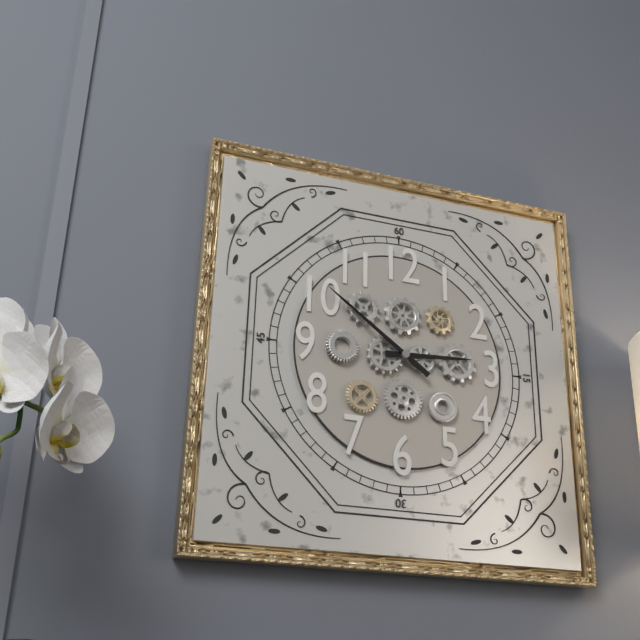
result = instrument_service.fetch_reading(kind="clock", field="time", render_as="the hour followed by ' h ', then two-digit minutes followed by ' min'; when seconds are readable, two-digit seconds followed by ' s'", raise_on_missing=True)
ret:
2 h 51 min
